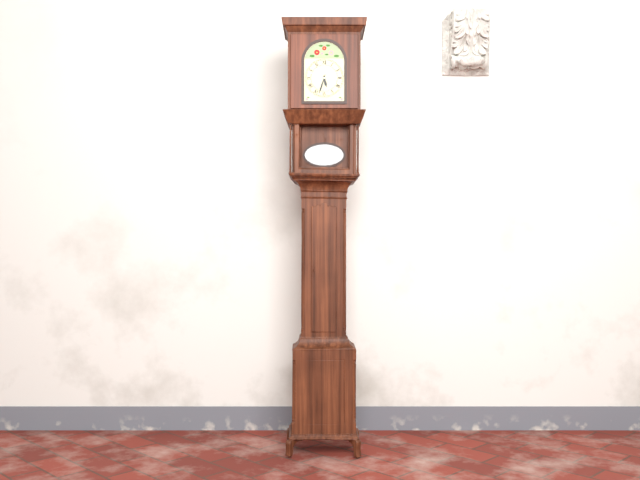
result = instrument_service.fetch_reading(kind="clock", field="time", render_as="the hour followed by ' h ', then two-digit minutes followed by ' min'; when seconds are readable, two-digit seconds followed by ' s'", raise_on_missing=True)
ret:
5 h 33 min
